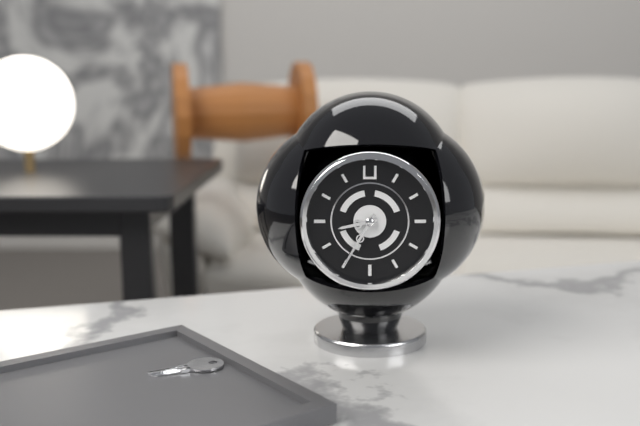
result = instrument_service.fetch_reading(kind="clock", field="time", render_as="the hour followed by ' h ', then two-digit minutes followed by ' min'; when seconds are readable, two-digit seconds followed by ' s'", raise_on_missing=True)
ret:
8 h 35 min
